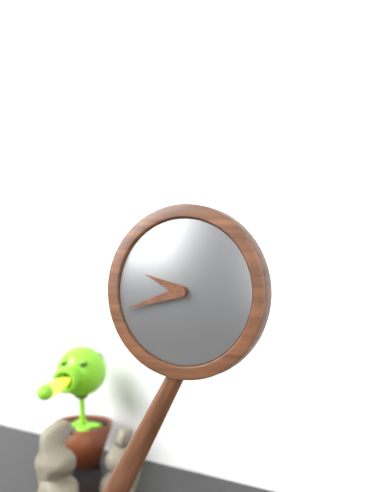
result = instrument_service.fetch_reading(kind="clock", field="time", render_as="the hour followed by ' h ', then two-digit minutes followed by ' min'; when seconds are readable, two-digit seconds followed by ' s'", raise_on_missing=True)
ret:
9 h 42 min
